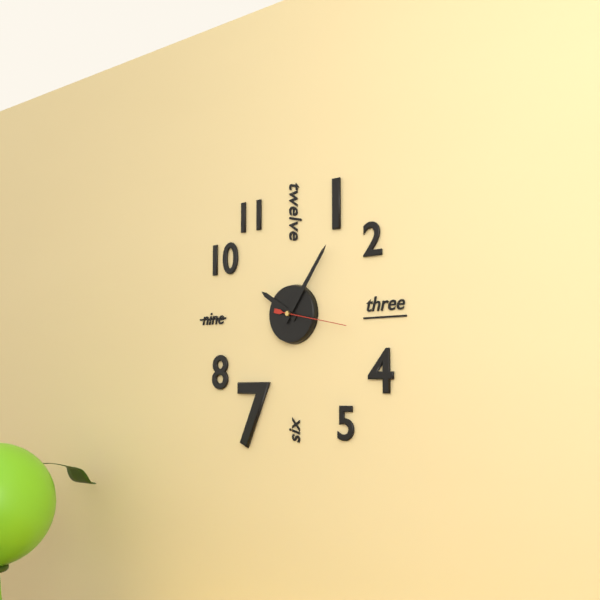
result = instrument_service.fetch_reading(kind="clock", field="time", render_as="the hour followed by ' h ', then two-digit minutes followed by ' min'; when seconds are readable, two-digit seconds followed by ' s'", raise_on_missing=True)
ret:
10 h 06 min 17 s
